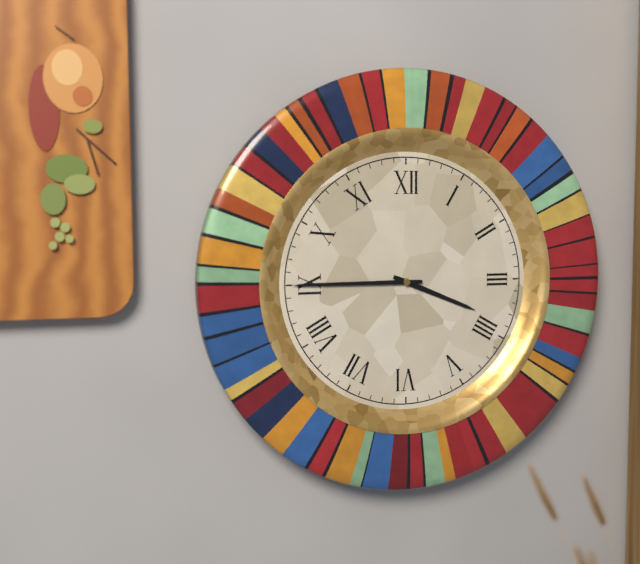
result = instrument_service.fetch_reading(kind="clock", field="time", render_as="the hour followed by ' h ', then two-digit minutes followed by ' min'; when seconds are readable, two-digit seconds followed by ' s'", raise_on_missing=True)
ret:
3 h 45 min
